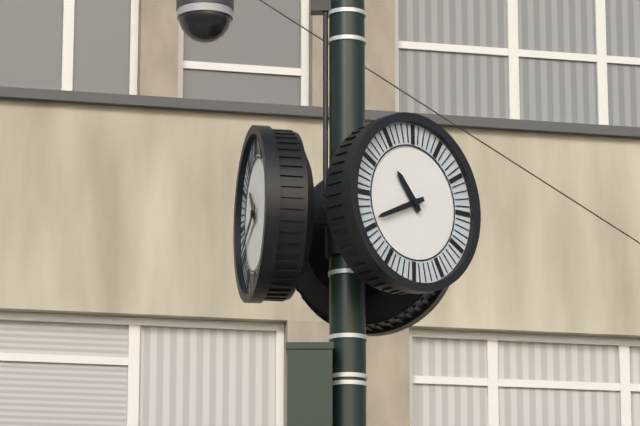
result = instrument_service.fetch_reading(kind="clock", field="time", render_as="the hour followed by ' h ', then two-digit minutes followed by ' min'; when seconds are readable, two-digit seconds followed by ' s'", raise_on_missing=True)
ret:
10 h 41 min
